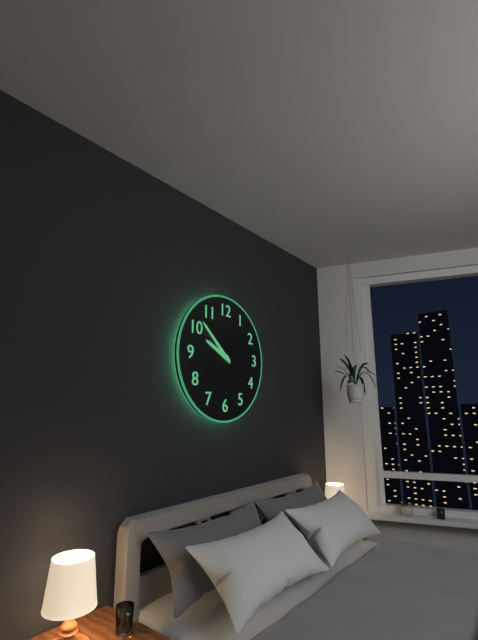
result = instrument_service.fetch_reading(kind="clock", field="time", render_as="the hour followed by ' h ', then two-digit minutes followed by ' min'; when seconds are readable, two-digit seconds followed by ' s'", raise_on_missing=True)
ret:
9 h 52 min
